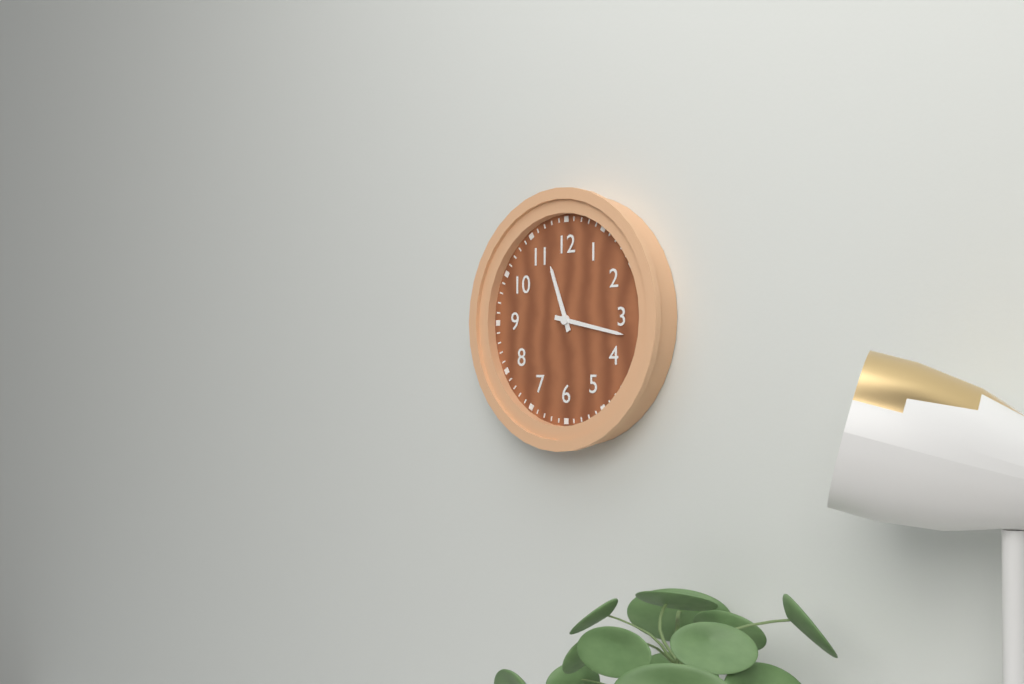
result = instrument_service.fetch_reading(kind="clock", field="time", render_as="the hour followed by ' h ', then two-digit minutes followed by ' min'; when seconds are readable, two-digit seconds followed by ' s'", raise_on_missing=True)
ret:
11 h 17 min
